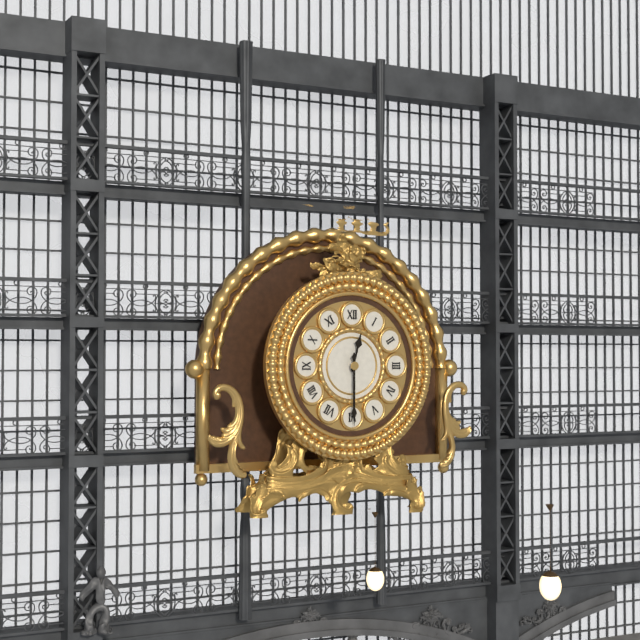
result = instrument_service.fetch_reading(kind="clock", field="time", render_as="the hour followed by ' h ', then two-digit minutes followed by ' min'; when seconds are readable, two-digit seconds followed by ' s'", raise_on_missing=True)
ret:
12 h 30 min
